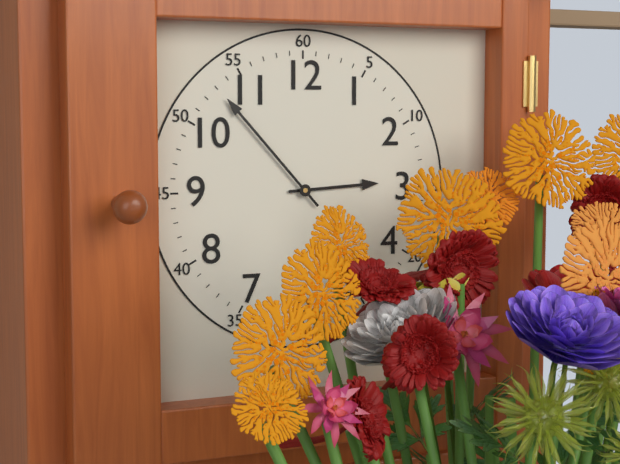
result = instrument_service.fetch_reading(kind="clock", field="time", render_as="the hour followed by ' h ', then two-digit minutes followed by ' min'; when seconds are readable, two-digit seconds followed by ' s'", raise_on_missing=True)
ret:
2 h 53 min
